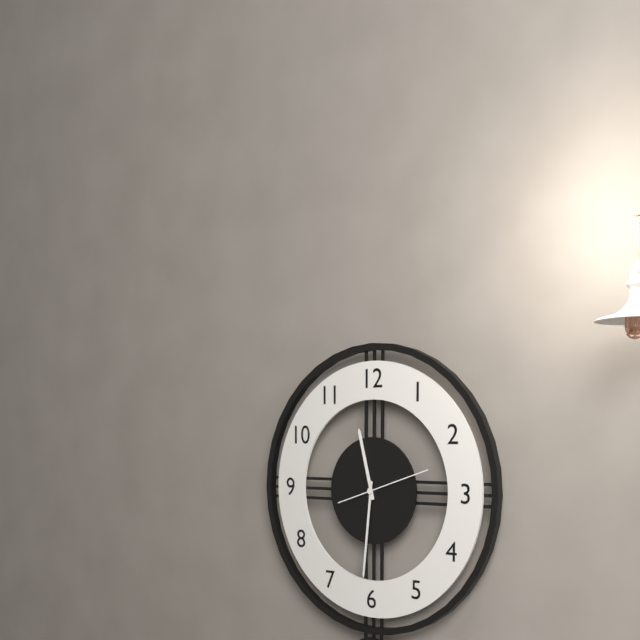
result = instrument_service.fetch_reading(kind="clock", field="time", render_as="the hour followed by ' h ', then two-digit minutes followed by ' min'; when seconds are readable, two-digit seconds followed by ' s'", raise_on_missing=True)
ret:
11 h 31 min 12 s
